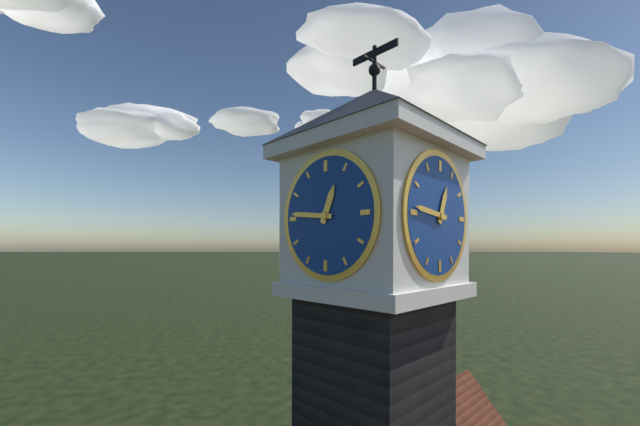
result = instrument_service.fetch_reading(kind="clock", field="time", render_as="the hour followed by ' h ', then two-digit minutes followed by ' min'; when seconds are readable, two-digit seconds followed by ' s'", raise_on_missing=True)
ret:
12 h 46 min
